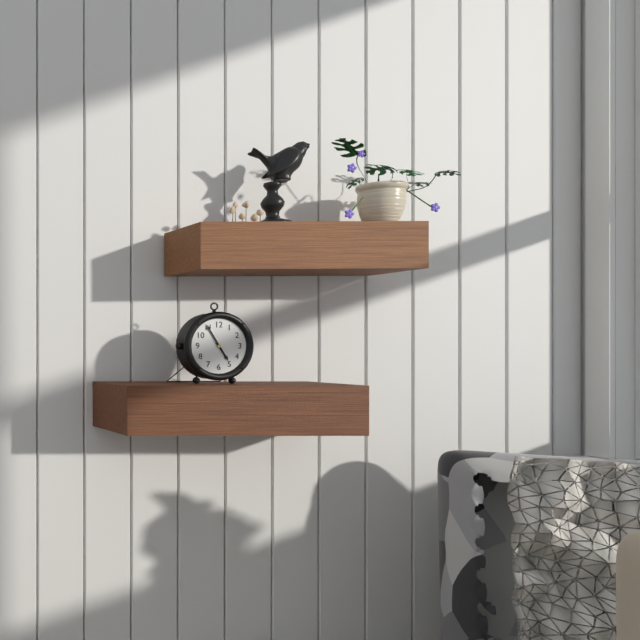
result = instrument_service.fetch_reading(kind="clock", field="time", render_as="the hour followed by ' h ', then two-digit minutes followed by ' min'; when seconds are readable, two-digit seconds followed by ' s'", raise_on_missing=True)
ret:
4 h 55 min
